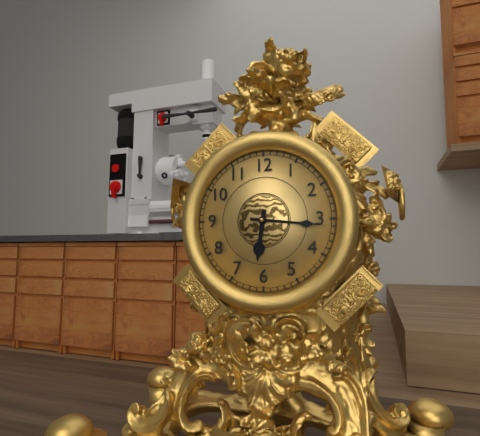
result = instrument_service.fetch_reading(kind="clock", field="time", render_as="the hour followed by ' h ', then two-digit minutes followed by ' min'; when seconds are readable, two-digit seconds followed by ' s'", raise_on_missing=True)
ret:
6 h 16 min
